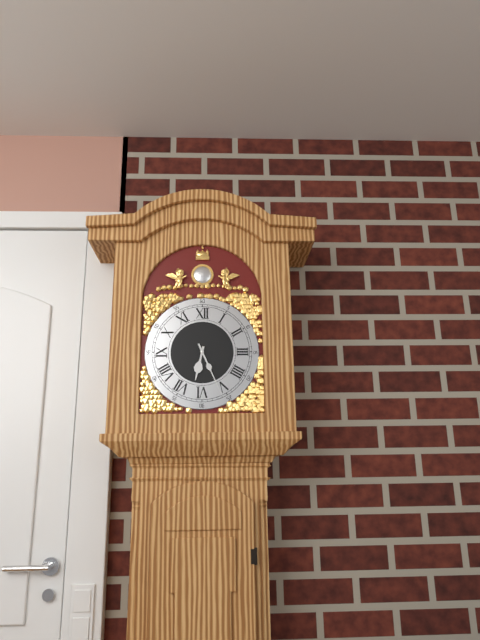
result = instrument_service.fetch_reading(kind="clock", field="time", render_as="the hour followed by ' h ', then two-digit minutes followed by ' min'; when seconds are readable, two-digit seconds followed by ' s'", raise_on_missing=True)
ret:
6 h 26 min
